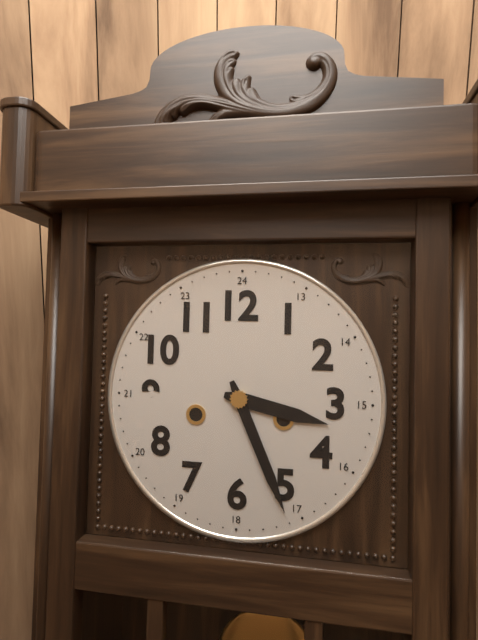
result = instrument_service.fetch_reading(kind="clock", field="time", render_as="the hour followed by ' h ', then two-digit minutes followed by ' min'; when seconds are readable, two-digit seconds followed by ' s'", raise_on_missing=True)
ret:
3 h 26 min
